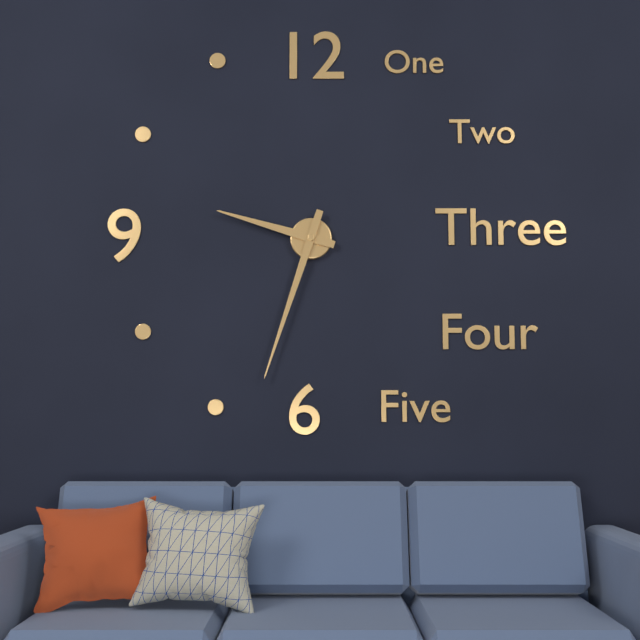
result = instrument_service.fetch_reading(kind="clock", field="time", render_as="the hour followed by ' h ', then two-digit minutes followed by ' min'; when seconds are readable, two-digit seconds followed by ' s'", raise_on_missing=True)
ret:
9 h 33 min
